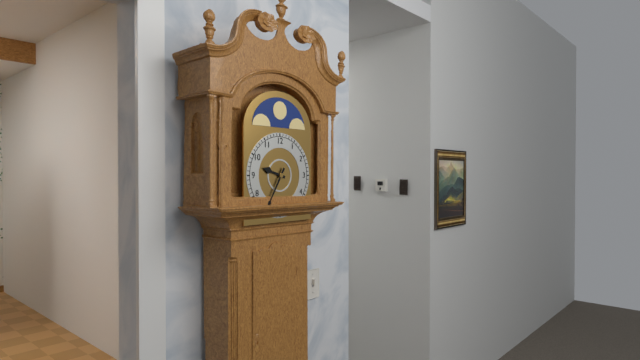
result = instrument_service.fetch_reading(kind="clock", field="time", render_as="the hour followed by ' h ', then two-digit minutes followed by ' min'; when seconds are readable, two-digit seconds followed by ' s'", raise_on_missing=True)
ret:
9 h 35 min
